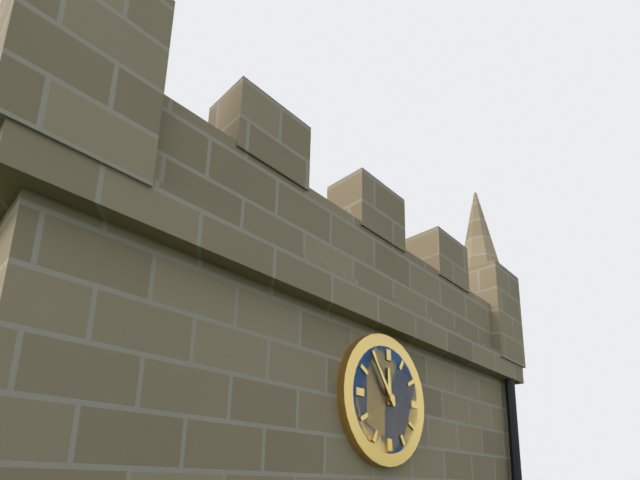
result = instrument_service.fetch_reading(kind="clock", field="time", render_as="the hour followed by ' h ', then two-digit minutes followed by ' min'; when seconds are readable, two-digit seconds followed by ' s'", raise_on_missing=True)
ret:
11 h 54 min
